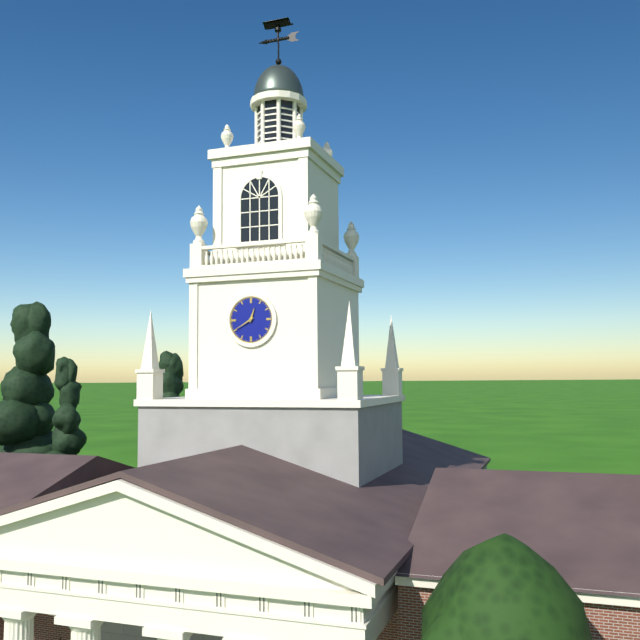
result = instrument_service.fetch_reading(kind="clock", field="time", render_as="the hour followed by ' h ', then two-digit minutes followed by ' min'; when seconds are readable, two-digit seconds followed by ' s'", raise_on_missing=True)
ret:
12 h 40 min
